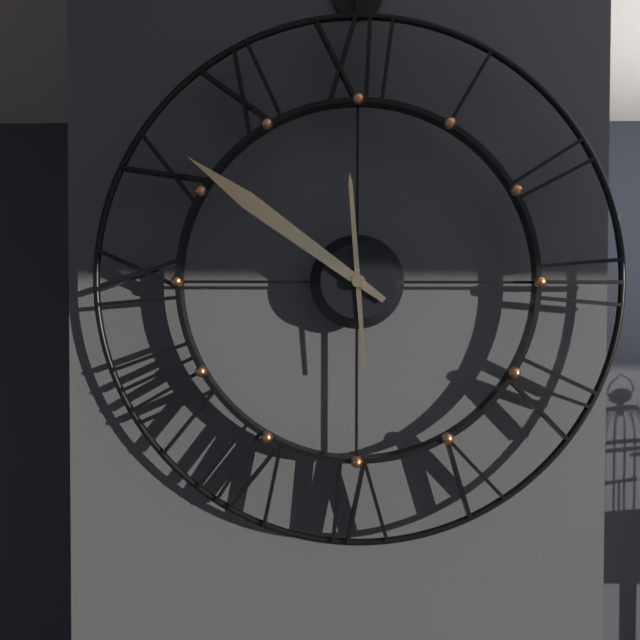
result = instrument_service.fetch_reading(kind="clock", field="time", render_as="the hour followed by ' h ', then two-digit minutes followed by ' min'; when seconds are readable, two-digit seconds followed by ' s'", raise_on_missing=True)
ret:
11 h 51 min
